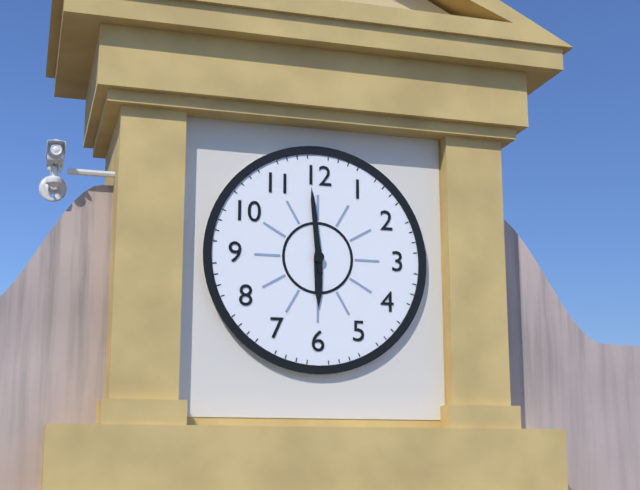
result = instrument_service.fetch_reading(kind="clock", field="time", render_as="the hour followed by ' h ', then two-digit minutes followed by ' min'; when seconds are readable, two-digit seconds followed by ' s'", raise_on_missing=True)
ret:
5 h 59 min
